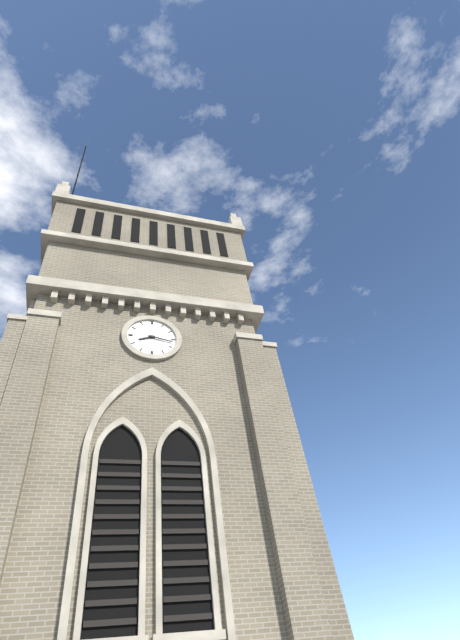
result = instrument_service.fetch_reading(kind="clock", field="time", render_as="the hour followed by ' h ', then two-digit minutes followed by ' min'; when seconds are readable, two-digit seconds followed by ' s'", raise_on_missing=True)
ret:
8 h 17 min
